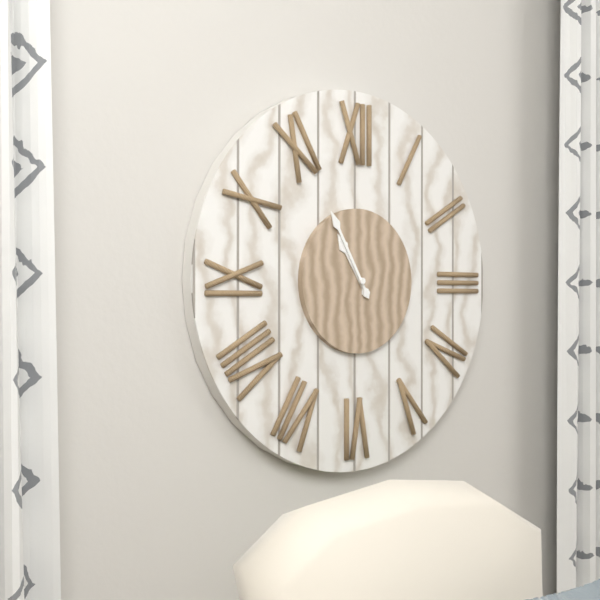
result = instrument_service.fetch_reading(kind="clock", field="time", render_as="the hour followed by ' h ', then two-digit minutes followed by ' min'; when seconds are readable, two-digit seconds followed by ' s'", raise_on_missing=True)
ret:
10 h 55 min
